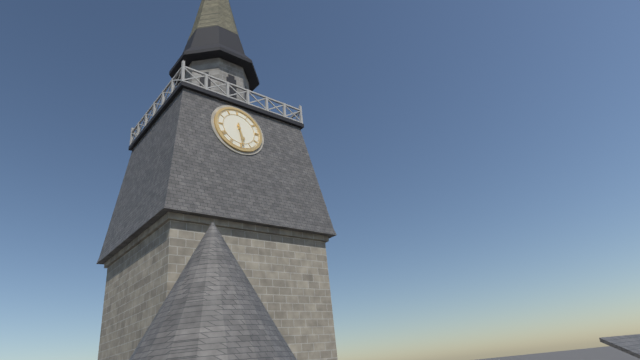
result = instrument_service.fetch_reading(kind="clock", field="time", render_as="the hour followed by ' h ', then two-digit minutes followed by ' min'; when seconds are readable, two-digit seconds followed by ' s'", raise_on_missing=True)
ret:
5 h 29 min
